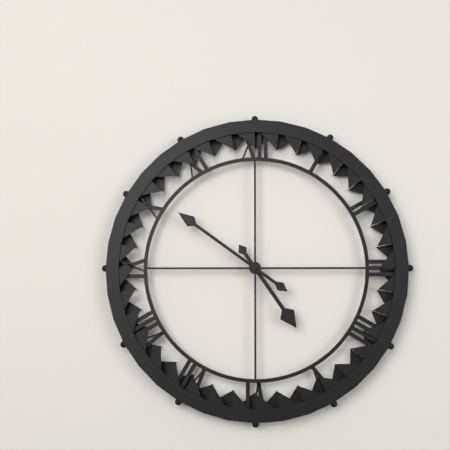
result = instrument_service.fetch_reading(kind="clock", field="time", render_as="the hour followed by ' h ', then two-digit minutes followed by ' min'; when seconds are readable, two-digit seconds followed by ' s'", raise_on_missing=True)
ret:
4 h 51 min
